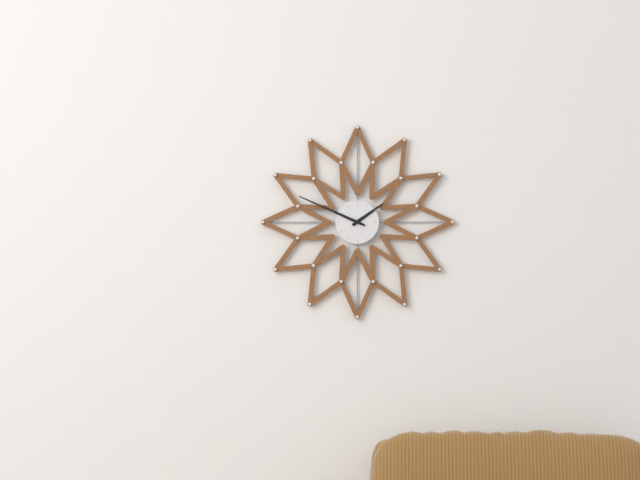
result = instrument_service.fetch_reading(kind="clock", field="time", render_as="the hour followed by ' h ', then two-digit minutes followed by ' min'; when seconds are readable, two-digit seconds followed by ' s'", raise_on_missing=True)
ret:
1 h 49 min
